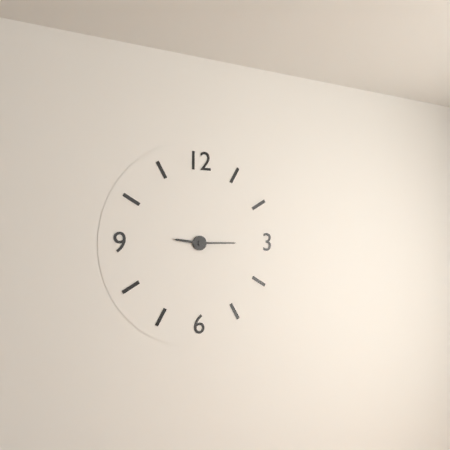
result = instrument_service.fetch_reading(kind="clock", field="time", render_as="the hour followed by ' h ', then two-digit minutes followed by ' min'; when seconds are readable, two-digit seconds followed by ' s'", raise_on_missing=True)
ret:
9 h 15 min
